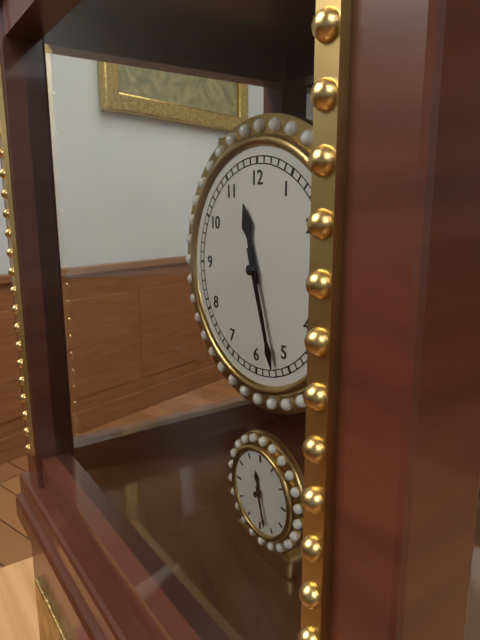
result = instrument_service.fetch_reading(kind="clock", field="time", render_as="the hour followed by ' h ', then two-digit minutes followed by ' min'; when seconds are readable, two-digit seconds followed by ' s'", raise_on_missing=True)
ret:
11 h 27 min
